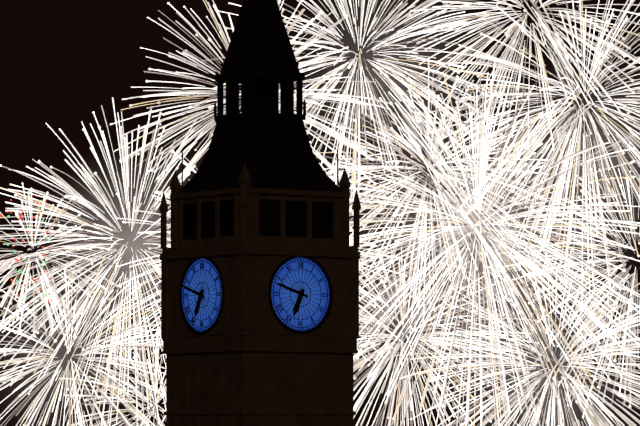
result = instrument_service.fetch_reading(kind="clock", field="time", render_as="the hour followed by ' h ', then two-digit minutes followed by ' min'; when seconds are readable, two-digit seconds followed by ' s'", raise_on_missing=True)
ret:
6 h 48 min
